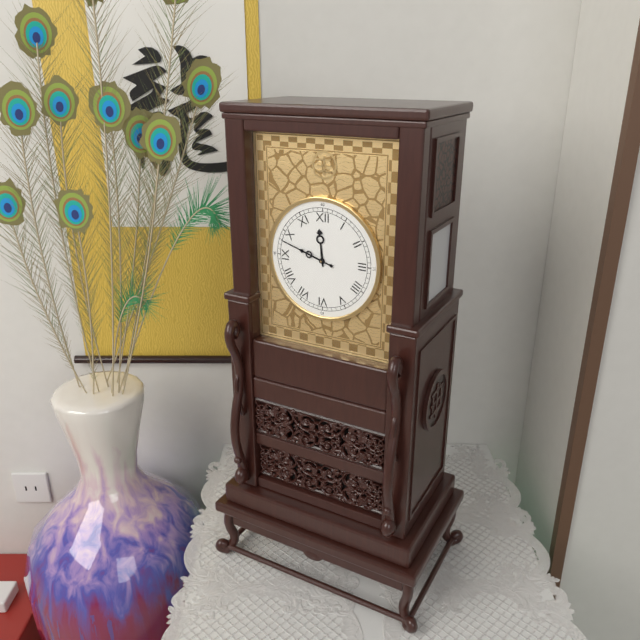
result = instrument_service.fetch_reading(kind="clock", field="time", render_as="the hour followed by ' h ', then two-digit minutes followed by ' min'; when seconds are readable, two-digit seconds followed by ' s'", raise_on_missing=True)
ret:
11 h 48 min
